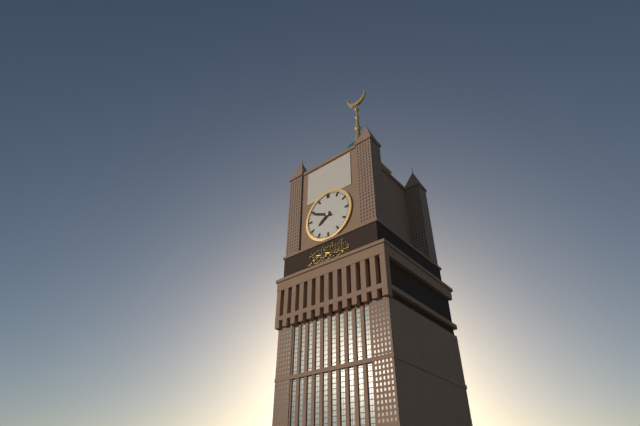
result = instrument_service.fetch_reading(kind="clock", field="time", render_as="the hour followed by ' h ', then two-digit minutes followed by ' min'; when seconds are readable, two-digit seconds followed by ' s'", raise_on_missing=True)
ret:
7 h 49 min
